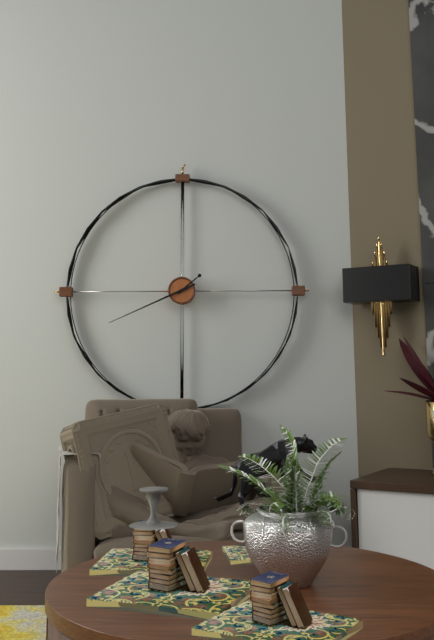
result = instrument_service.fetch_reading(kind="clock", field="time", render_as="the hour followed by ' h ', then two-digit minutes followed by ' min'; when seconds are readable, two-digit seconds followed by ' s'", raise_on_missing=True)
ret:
1 h 41 min
